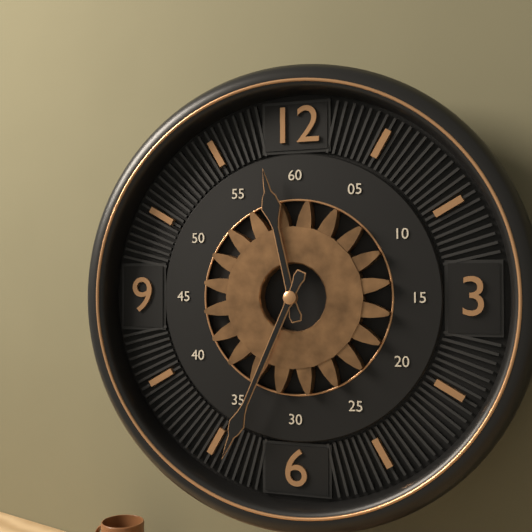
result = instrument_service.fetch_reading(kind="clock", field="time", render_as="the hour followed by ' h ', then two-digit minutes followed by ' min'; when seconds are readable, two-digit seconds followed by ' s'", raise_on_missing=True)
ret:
11 h 34 min
